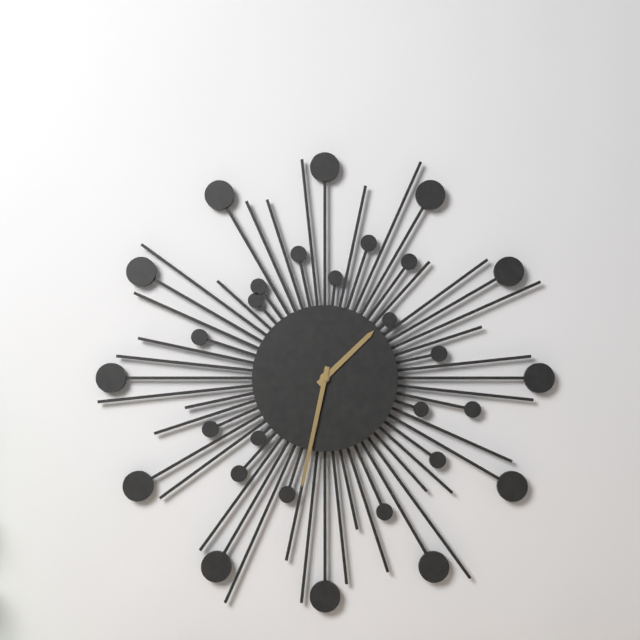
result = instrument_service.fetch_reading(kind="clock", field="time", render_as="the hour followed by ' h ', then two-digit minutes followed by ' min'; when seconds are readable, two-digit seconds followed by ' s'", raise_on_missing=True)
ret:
1 h 32 min
